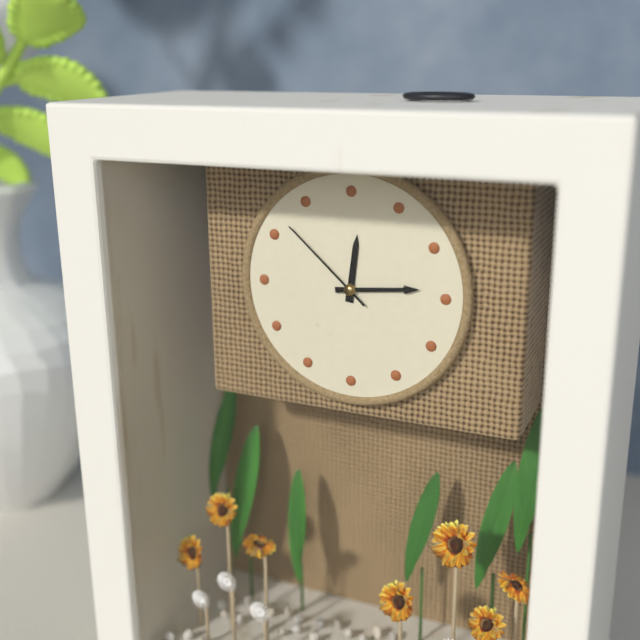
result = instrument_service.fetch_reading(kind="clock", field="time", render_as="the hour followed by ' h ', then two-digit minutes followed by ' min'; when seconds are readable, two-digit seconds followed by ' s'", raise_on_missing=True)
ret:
12 h 14 min 52 s
